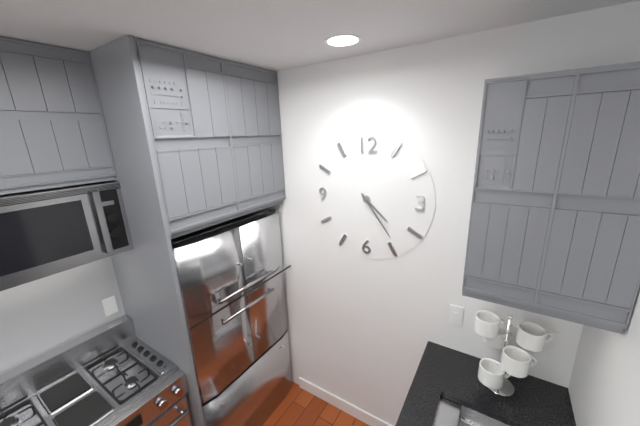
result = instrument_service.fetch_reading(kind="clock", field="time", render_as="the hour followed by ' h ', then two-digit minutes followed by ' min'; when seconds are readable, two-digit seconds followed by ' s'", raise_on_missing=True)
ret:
4 h 24 min
